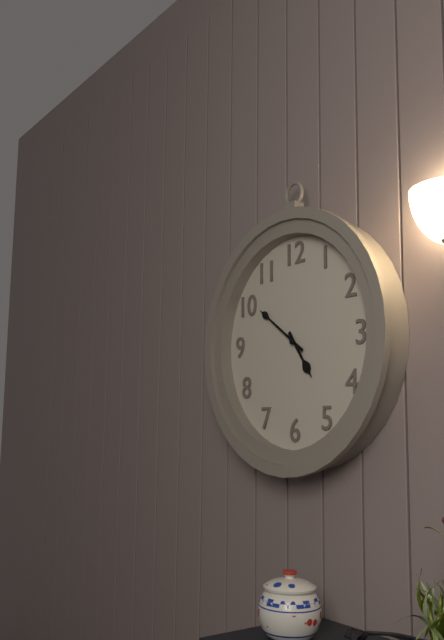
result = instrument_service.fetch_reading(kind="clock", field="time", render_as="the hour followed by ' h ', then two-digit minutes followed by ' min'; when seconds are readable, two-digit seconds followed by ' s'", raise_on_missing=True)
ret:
4 h 51 min
